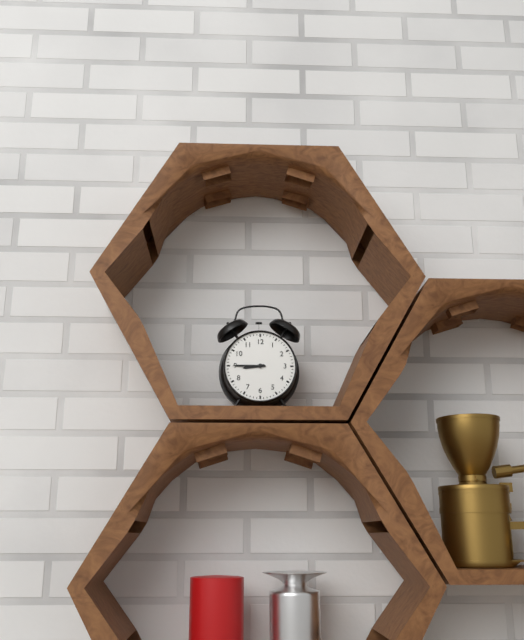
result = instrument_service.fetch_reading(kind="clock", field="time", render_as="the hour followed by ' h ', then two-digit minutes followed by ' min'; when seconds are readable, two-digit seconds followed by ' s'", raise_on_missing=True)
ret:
8 h 45 min
